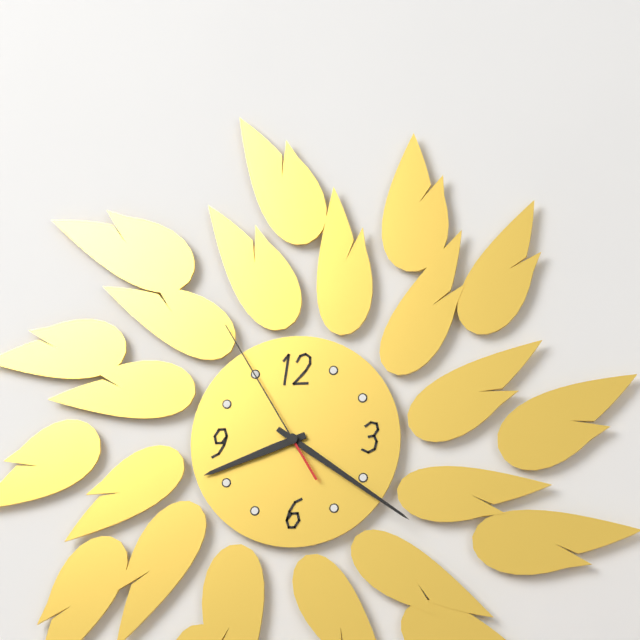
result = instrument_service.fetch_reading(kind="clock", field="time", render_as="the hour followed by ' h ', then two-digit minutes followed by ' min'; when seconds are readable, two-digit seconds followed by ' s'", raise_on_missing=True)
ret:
8 h 21 min 55 s
